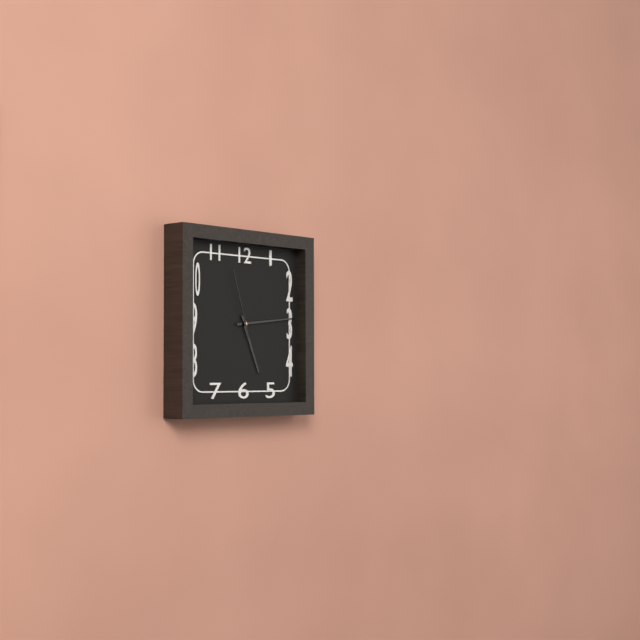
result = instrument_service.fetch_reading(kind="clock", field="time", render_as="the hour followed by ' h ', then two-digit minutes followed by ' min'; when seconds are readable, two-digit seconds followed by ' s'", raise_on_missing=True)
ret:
5 h 14 min 57 s
